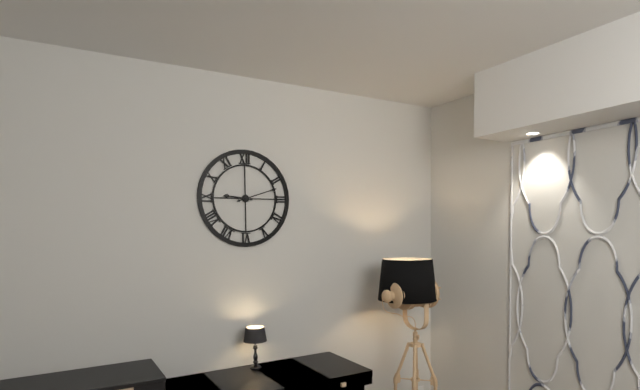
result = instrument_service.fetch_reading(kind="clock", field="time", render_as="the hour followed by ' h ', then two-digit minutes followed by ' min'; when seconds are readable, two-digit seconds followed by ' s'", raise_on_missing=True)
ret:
9 h 12 min
